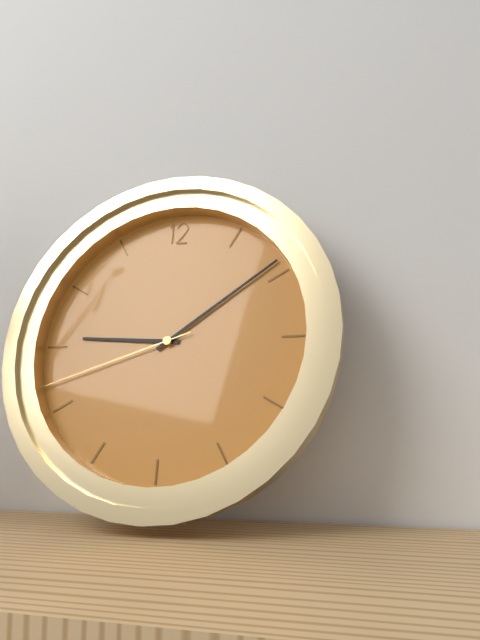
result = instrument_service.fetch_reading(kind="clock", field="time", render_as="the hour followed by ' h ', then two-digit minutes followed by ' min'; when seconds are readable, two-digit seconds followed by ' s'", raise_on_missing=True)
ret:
9 h 09 min 42 s
